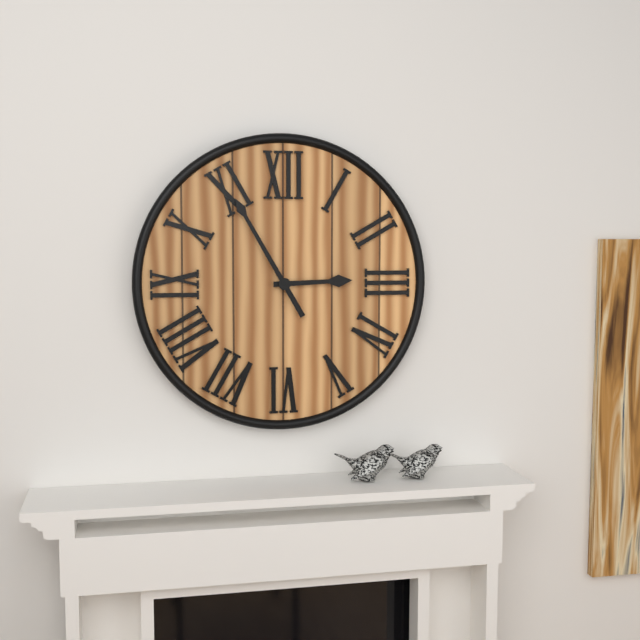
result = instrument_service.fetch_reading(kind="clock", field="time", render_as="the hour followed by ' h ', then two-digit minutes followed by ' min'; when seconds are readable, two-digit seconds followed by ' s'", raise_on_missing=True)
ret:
2 h 55 min
